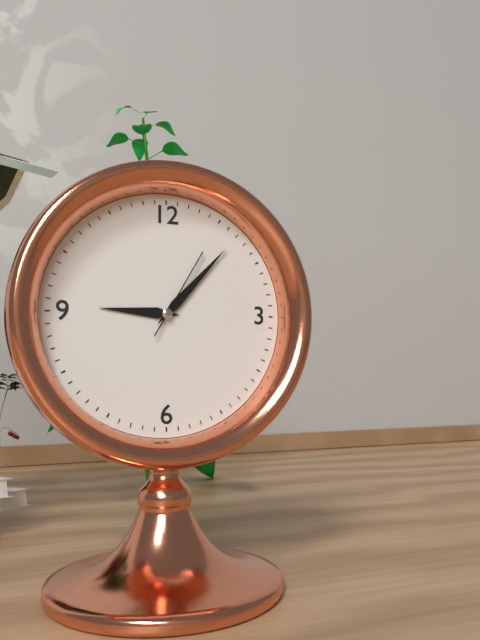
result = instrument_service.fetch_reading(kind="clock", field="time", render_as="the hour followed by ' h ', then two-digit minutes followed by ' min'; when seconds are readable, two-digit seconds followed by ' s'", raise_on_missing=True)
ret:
9 h 07 min 05 s
